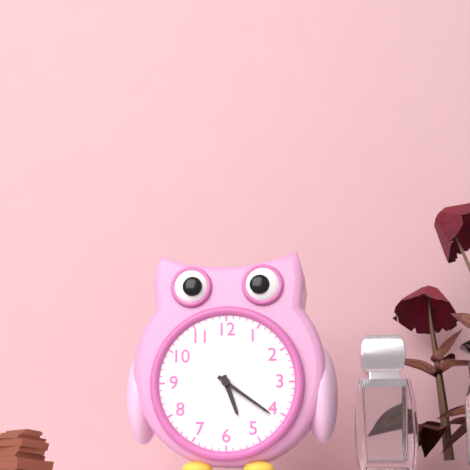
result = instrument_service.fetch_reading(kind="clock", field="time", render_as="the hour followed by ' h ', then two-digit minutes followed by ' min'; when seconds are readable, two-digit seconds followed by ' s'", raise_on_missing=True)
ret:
5 h 21 min
